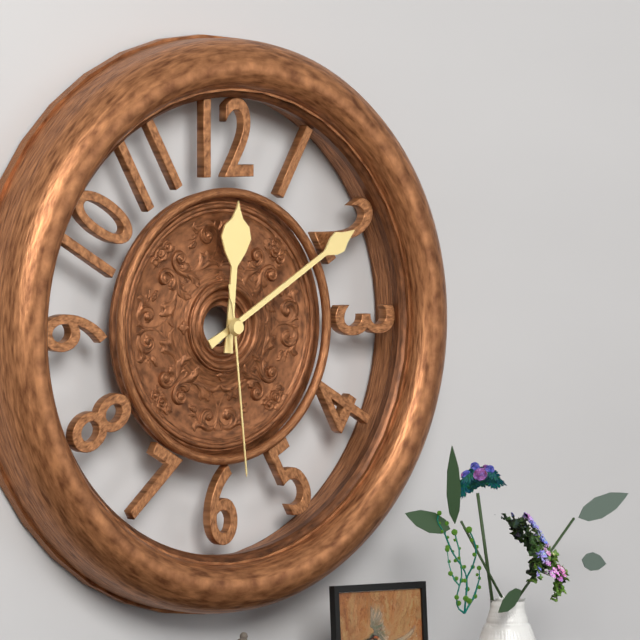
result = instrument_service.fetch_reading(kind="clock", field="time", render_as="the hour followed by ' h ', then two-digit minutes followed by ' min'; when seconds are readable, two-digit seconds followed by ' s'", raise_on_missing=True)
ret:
12 h 10 min 29 s
